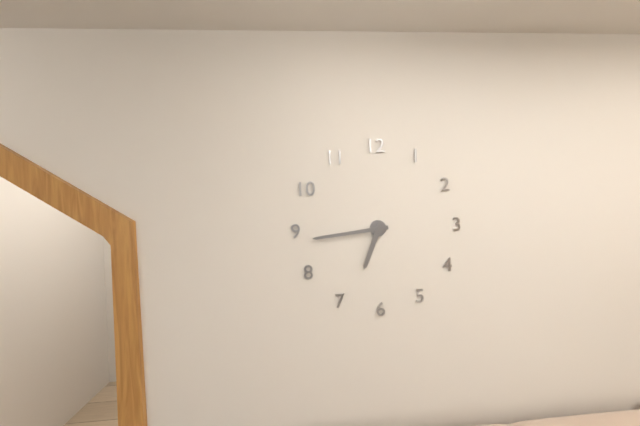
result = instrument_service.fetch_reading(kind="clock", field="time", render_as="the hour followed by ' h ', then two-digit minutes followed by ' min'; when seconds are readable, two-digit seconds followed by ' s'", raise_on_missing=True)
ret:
6 h 44 min
